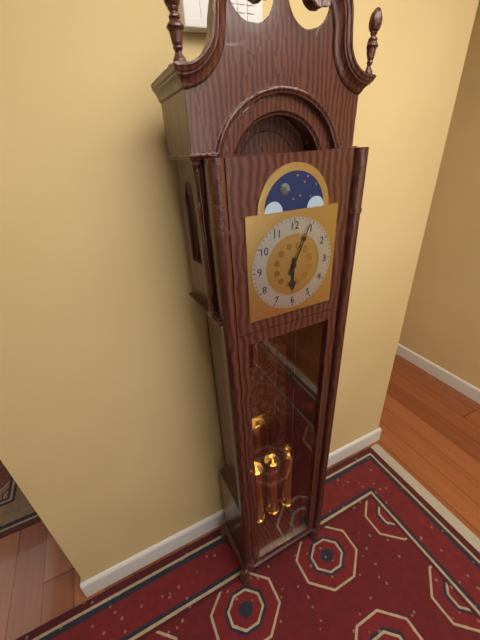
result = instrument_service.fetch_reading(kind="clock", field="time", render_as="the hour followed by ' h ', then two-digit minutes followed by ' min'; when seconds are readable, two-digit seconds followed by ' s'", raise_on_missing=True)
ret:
6 h 04 min
